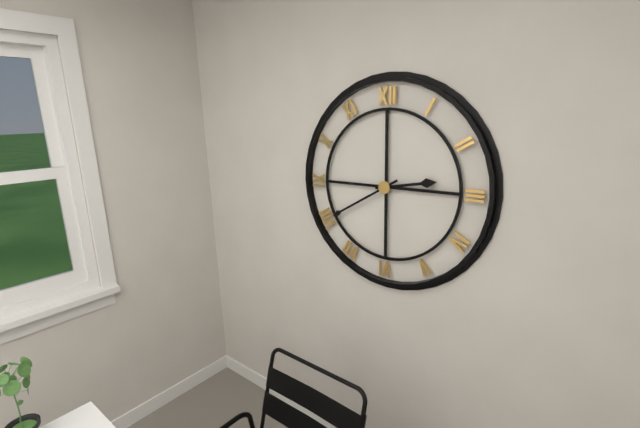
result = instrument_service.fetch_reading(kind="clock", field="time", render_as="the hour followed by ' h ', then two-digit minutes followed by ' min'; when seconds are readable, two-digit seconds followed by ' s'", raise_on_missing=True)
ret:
2 h 40 min
